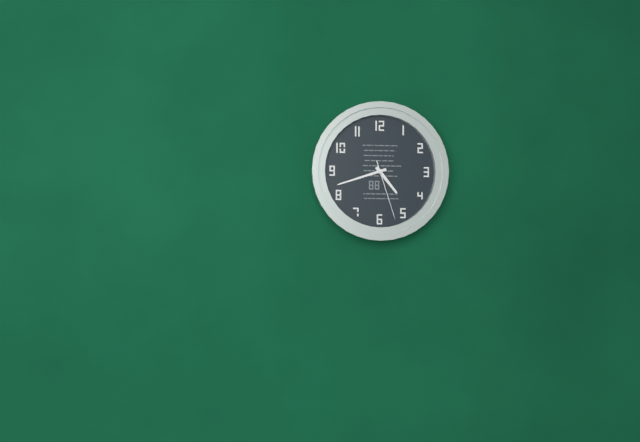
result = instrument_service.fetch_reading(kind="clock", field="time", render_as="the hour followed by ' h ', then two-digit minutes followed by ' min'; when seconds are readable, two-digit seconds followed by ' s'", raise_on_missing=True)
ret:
4 h 42 min 27 s
